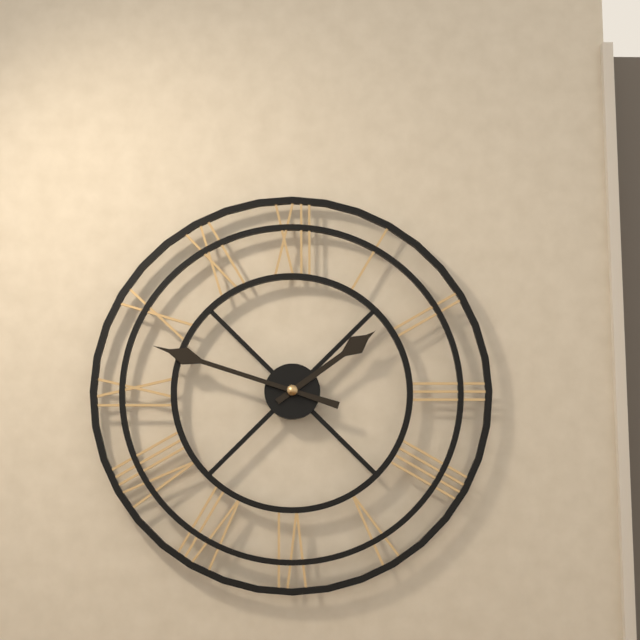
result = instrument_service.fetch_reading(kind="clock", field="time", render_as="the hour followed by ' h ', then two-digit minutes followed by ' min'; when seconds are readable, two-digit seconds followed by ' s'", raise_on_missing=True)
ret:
1 h 48 min
